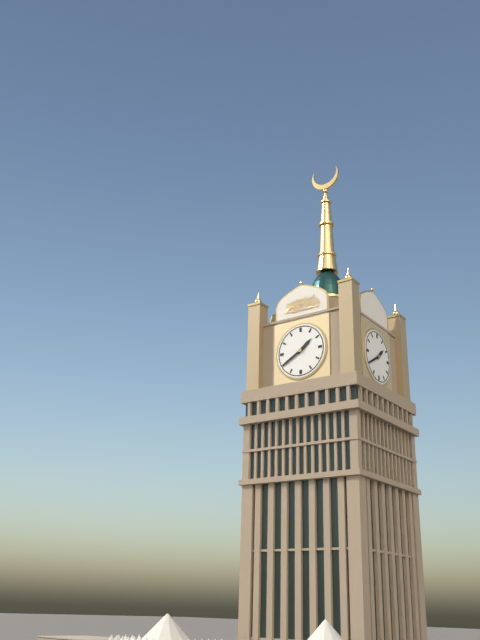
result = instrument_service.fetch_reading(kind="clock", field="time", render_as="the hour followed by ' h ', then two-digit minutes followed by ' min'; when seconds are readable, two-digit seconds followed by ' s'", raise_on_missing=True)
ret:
1 h 40 min
